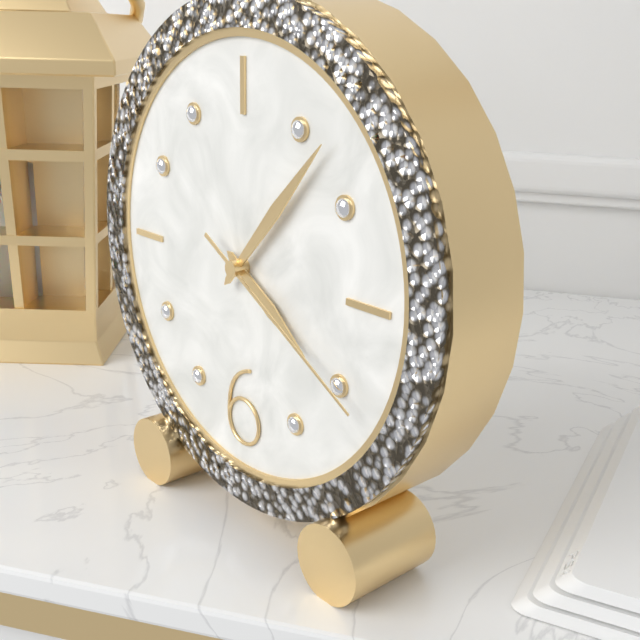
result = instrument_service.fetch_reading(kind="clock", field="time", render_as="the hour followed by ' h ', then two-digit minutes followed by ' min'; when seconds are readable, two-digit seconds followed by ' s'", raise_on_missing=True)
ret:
4 h 07 min 20 s
